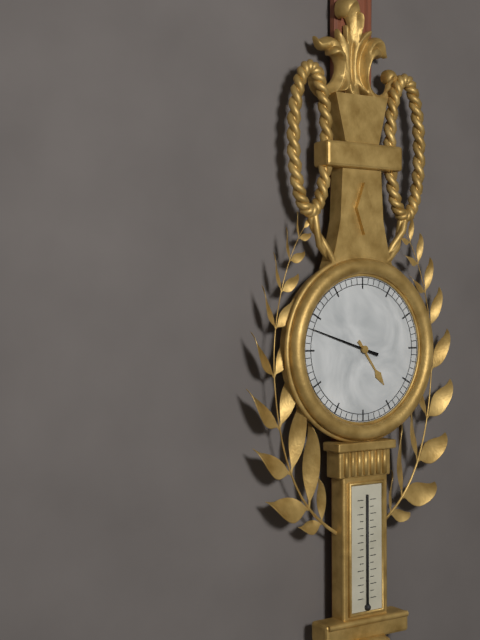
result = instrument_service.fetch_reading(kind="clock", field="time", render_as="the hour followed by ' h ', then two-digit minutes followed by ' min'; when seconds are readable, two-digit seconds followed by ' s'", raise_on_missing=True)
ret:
4 h 48 min
